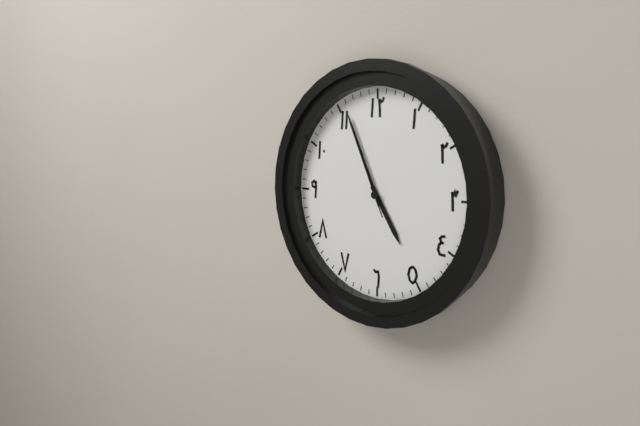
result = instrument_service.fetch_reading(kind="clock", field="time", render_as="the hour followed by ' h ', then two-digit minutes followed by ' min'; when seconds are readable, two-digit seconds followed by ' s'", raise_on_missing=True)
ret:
4 h 56 min 56 s
